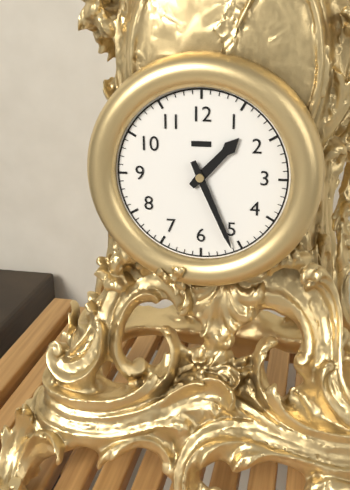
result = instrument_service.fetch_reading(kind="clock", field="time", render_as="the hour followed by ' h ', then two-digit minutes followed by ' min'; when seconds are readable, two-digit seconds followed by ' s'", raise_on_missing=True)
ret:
1 h 26 min
